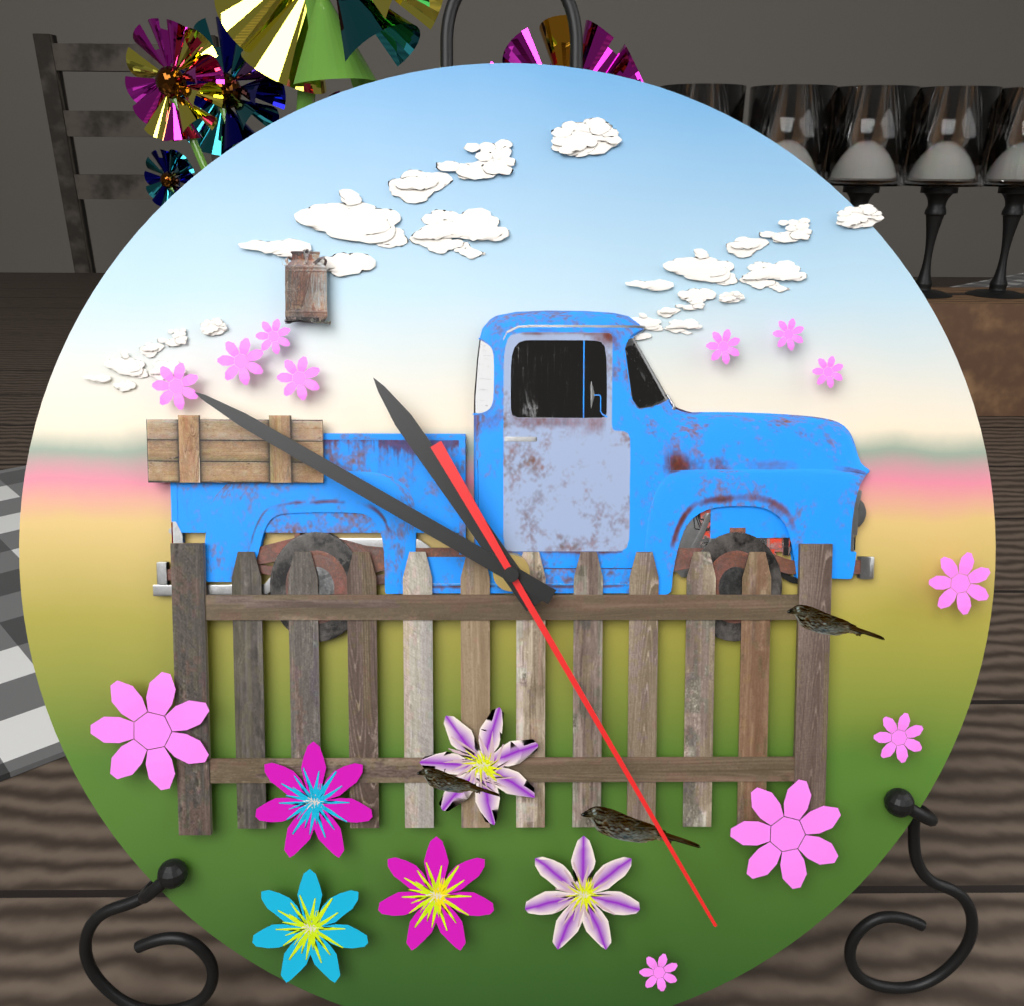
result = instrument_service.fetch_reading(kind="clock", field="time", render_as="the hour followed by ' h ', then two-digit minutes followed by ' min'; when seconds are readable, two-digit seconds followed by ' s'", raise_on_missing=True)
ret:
10 h 50 min 25 s
